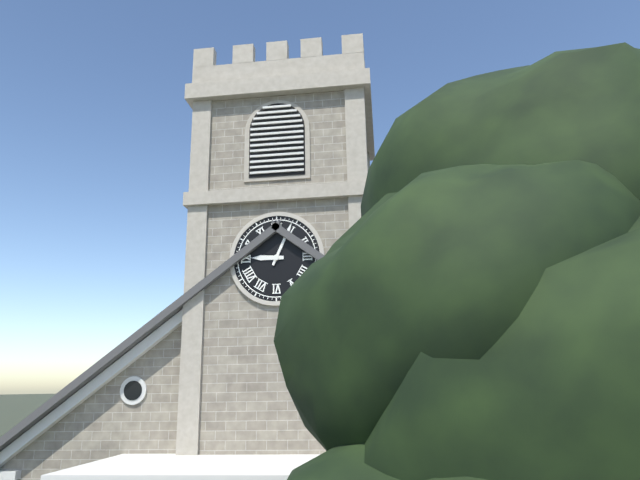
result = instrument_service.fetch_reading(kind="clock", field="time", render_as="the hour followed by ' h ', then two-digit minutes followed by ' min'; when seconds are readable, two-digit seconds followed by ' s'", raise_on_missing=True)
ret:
9 h 04 min
